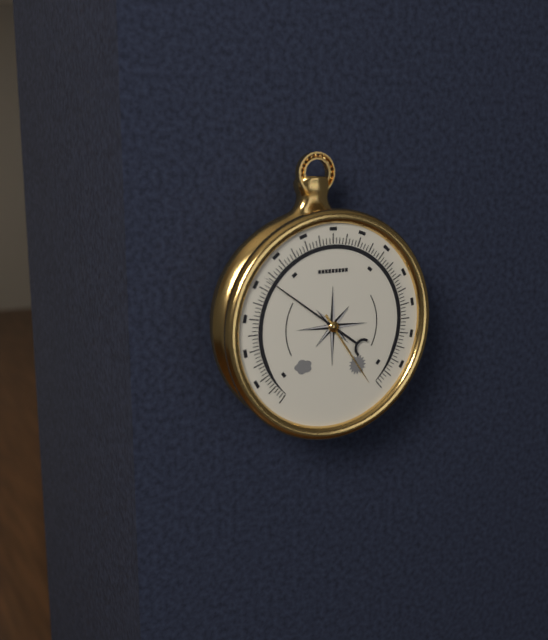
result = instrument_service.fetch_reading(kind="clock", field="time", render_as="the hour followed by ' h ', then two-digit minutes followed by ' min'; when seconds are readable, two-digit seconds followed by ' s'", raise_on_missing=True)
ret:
4 h 51 min
